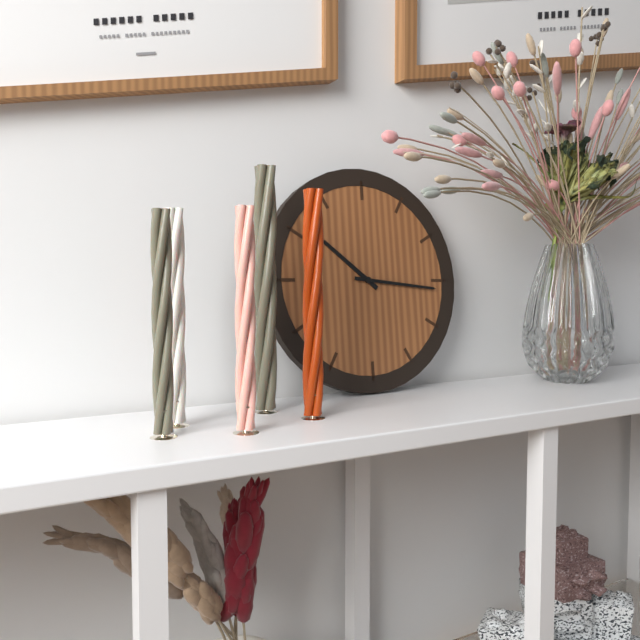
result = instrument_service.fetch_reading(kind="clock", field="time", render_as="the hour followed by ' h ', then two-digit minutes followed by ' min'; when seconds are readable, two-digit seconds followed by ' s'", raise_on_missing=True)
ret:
10 h 16 min
